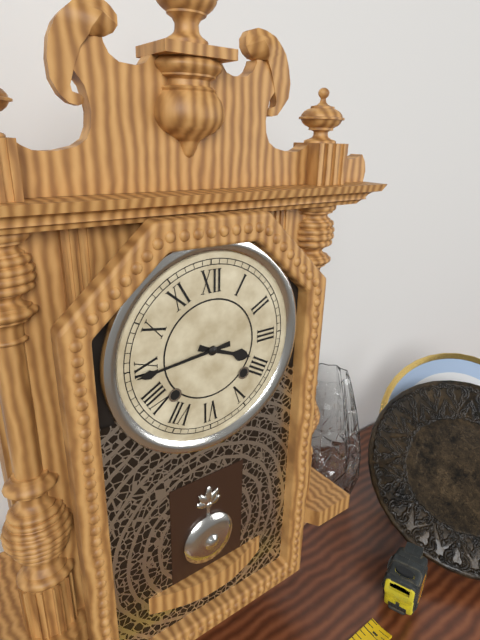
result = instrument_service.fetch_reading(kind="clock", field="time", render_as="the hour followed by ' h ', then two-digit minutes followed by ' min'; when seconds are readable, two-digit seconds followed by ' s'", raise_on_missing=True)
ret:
3 h 44 min
